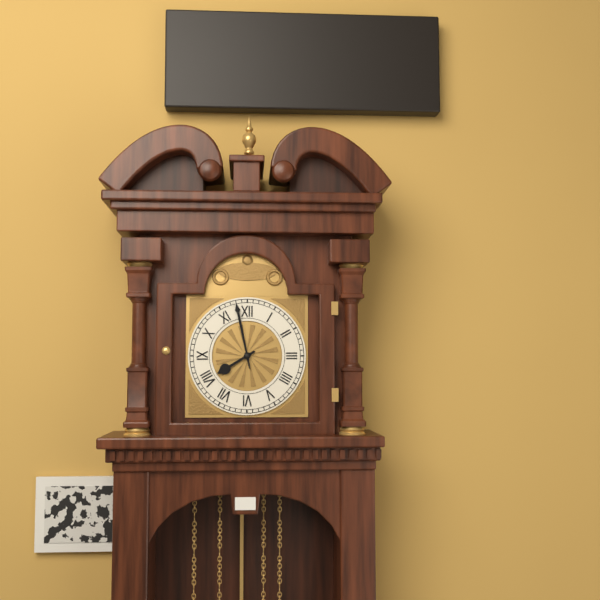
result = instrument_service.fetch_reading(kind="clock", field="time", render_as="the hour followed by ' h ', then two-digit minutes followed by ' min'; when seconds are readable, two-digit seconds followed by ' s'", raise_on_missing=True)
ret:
7 h 58 min
